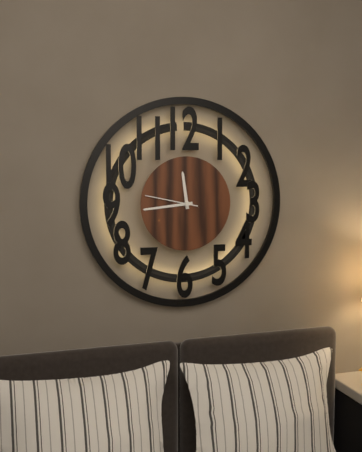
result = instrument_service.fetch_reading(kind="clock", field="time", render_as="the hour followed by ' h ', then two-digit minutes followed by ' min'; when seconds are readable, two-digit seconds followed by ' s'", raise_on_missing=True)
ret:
11 h 44 min 47 s
